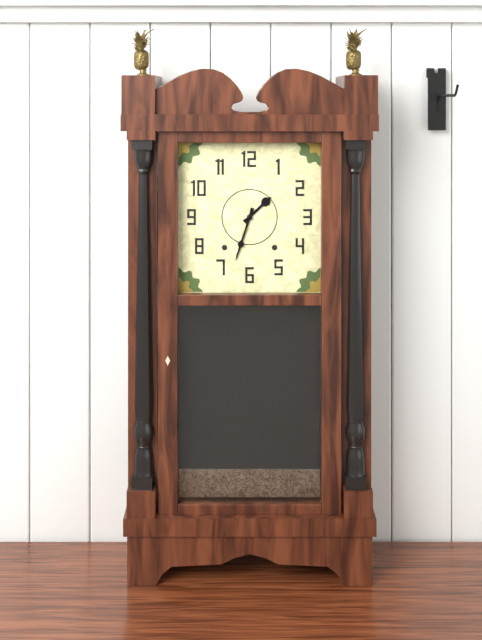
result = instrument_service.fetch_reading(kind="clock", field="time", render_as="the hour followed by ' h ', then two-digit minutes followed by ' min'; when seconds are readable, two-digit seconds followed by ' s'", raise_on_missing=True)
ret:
1 h 33 min
